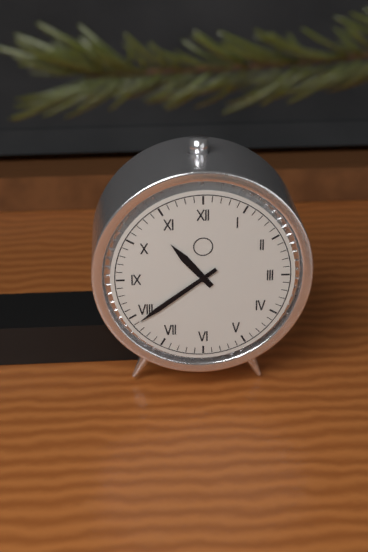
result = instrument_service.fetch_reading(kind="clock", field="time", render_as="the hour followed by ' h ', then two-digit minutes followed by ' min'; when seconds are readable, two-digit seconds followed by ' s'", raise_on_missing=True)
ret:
10 h 39 min
